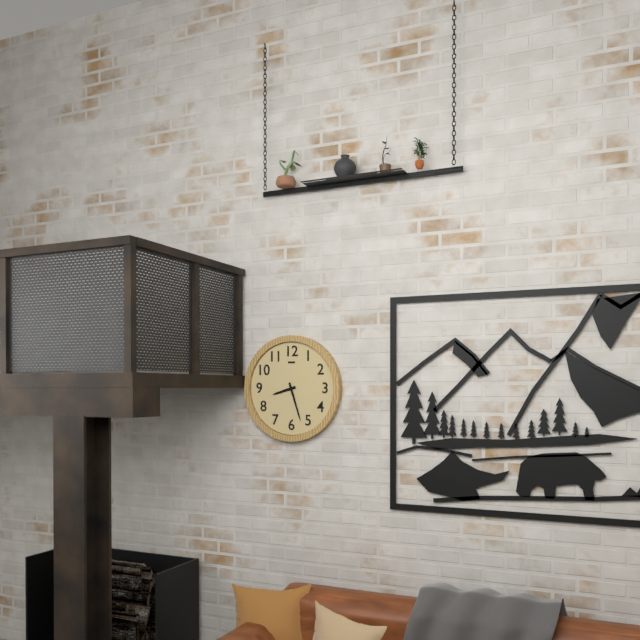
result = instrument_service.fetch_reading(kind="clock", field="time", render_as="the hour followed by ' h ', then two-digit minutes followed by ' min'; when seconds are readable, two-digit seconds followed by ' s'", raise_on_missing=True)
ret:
8 h 27 min
